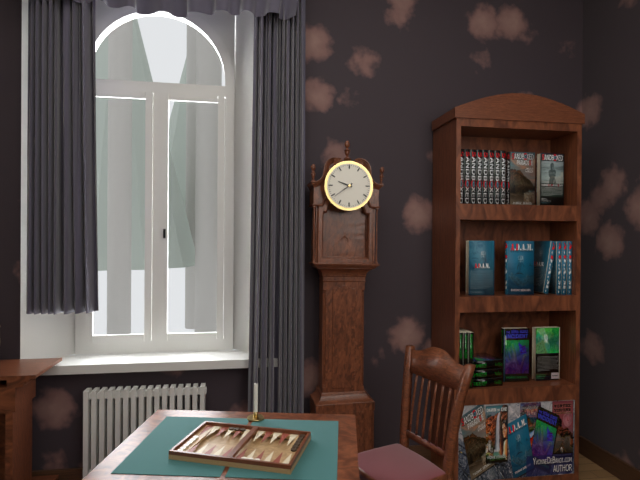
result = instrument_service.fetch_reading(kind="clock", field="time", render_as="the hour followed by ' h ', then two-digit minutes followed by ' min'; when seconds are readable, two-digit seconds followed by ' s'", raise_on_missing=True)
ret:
9 h 39 min
